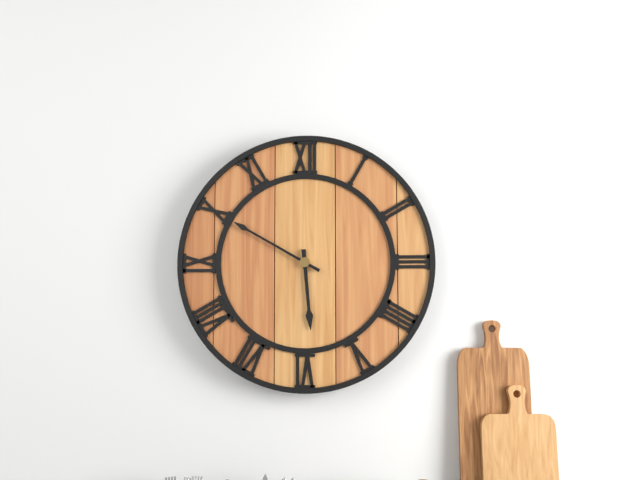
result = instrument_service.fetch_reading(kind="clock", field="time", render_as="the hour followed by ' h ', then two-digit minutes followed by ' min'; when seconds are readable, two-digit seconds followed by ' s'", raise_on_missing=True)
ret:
5 h 50 min
